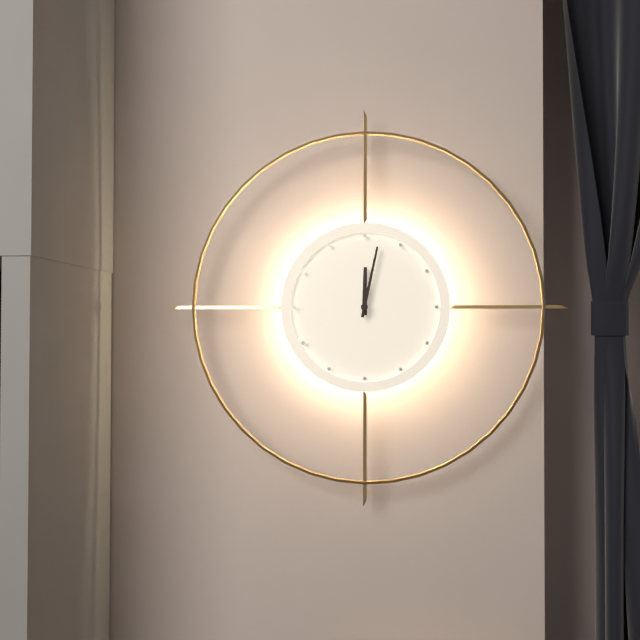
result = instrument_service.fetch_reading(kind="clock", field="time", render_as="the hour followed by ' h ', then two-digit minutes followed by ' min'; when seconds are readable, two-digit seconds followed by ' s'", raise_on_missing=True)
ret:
12 h 02 min
